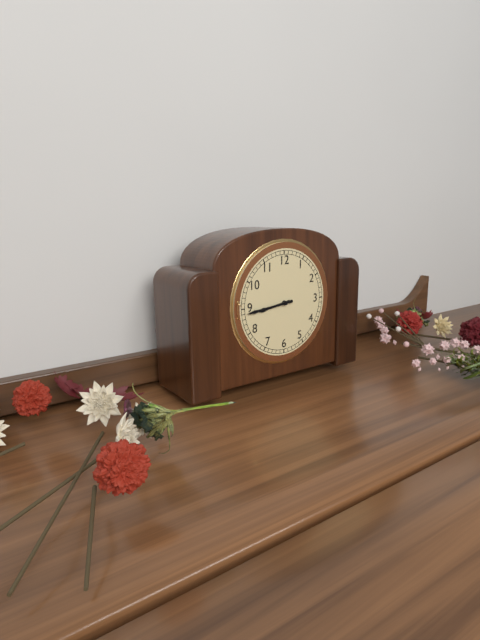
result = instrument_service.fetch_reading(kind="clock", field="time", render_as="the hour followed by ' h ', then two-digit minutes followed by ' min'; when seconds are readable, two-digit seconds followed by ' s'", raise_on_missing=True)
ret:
8 h 44 min
